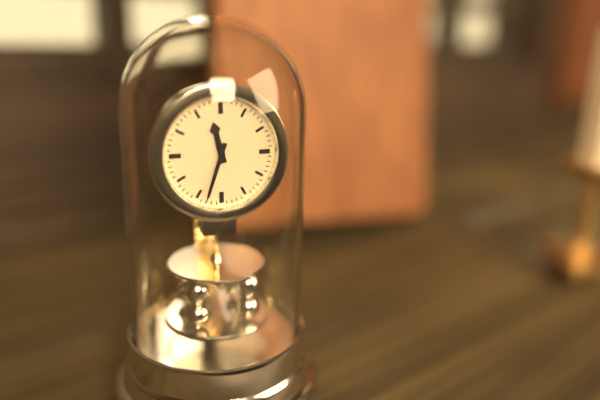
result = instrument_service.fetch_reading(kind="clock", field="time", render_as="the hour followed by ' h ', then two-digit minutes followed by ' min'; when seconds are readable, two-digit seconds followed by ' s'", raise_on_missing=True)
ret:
11 h 33 min
